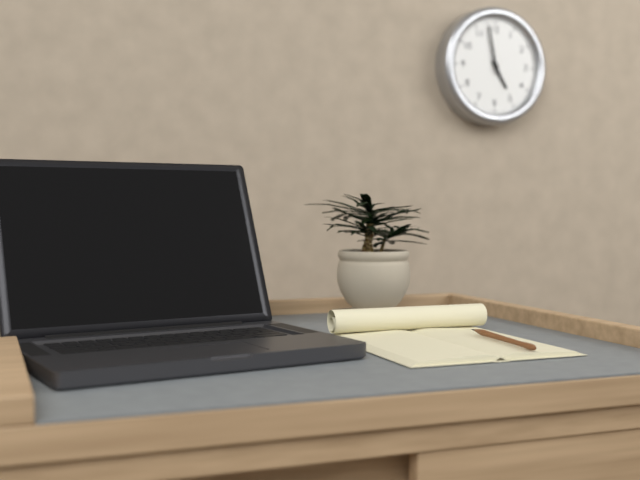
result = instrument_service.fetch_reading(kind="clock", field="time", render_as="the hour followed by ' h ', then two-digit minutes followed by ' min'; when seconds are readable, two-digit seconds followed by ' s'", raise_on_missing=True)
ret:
4 h 58 min
